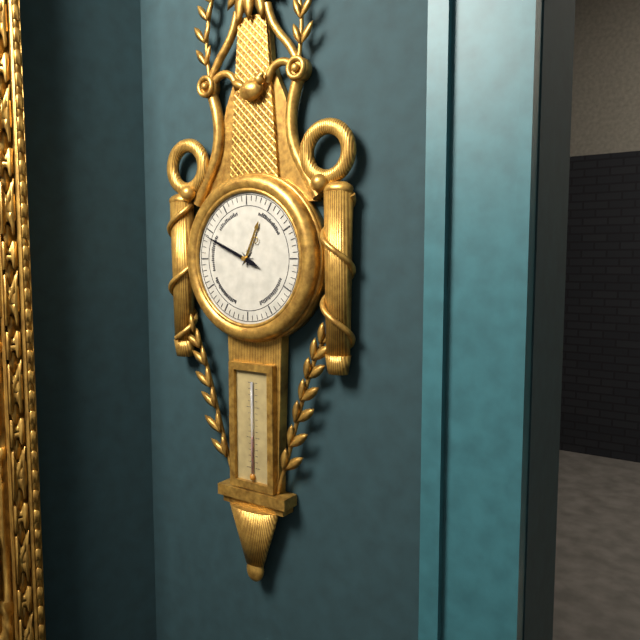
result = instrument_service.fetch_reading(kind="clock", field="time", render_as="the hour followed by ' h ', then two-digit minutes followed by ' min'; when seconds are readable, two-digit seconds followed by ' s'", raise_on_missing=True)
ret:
12 h 49 min
